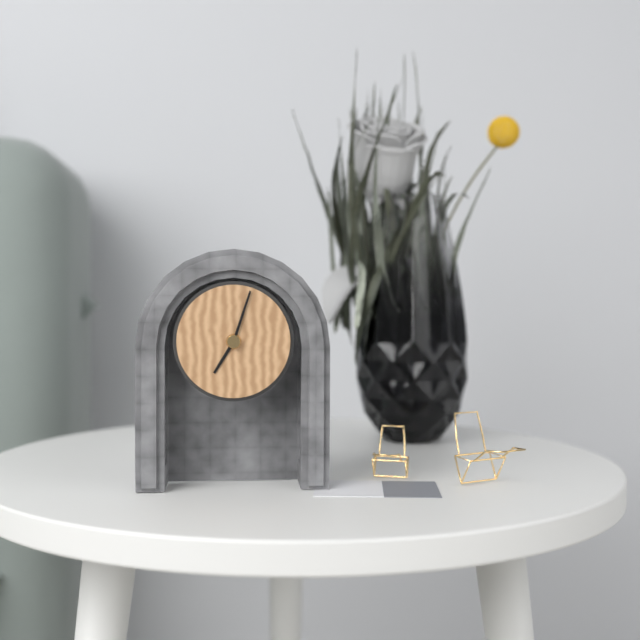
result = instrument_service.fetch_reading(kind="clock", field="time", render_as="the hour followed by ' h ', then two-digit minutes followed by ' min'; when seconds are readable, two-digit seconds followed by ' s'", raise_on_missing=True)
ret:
7 h 03 min
